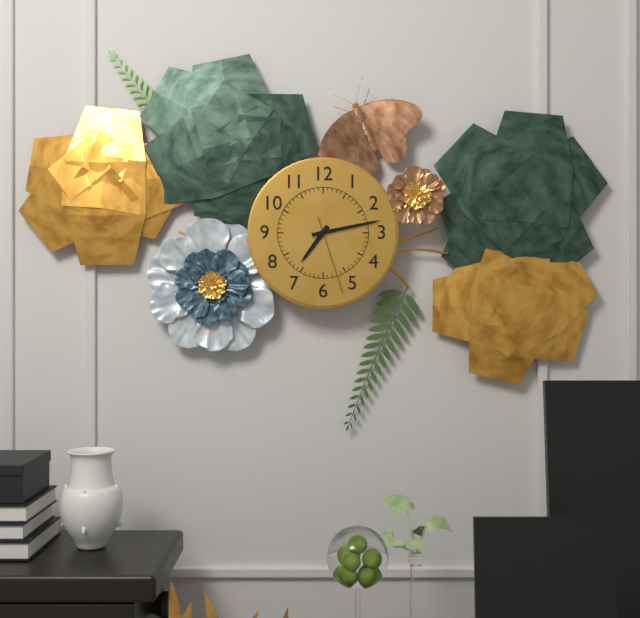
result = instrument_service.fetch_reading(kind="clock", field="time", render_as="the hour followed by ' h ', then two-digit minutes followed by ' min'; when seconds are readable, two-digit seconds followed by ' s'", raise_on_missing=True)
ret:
7 h 13 min 27 s
